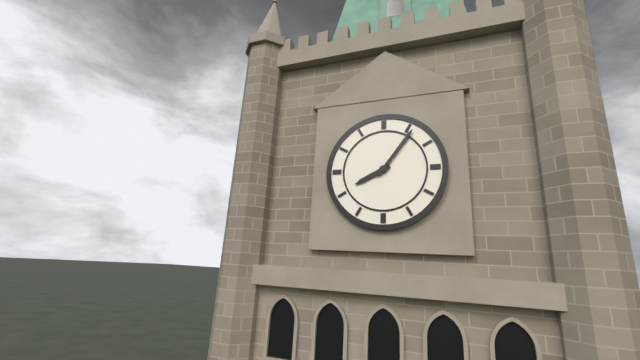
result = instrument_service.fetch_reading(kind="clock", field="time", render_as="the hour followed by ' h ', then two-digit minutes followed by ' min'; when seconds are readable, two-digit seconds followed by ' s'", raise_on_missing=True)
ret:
8 h 06 min
